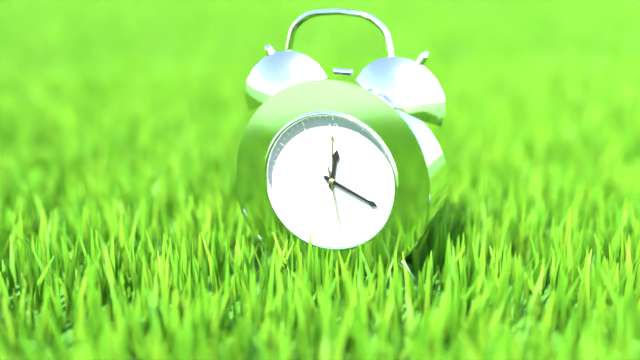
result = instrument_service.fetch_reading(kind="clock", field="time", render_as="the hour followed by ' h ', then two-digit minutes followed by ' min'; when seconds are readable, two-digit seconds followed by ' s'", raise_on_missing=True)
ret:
12 h 19 min 28 s
